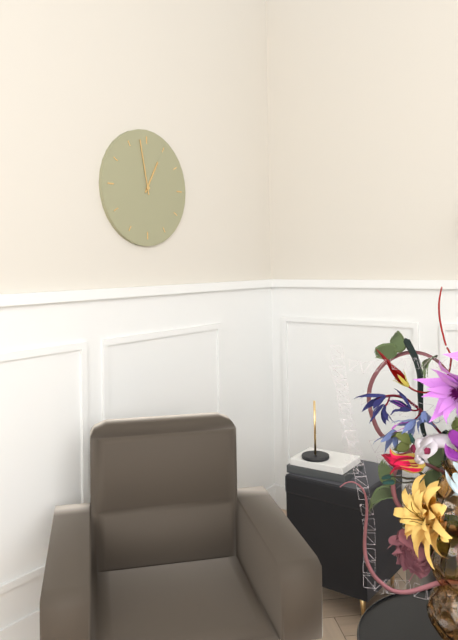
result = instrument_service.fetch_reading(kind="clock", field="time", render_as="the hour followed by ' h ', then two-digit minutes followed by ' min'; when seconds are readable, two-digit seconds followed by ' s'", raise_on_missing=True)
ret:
12 h 58 min
